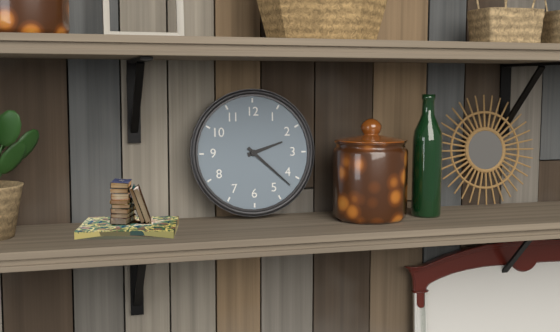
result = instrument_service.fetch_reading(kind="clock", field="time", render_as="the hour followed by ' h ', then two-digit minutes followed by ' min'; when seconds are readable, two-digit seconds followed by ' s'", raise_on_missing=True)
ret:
2 h 22 min
